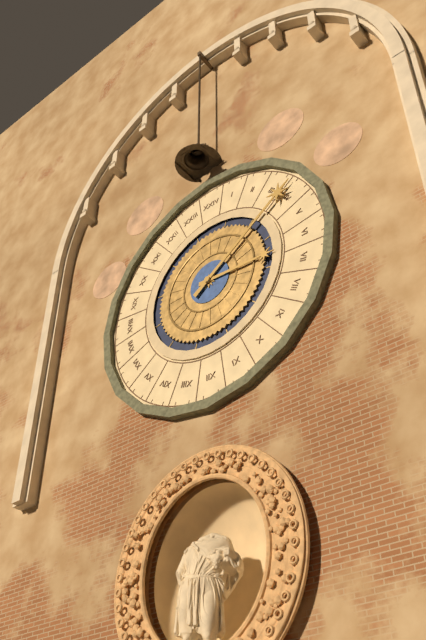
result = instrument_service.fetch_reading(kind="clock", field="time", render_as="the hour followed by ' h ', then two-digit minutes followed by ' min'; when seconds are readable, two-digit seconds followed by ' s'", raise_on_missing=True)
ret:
3 h 09 min
